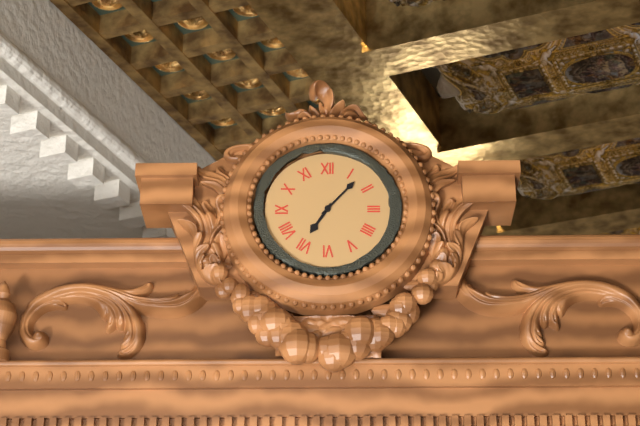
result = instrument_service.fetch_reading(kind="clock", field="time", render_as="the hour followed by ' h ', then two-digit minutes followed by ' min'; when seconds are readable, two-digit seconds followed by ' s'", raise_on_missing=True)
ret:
7 h 07 min
